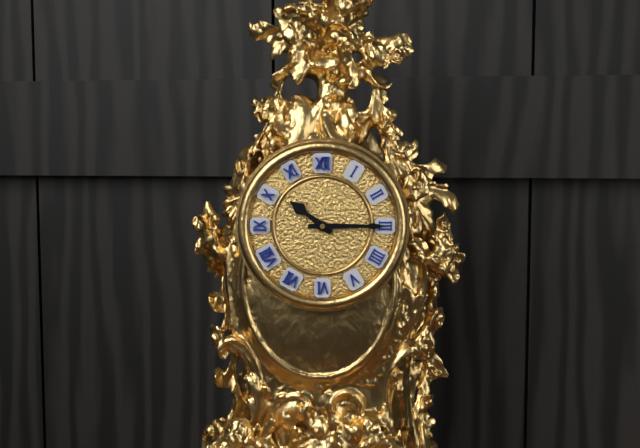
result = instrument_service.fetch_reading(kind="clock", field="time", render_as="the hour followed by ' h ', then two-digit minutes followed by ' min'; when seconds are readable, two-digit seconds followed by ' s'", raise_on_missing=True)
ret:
10 h 15 min
